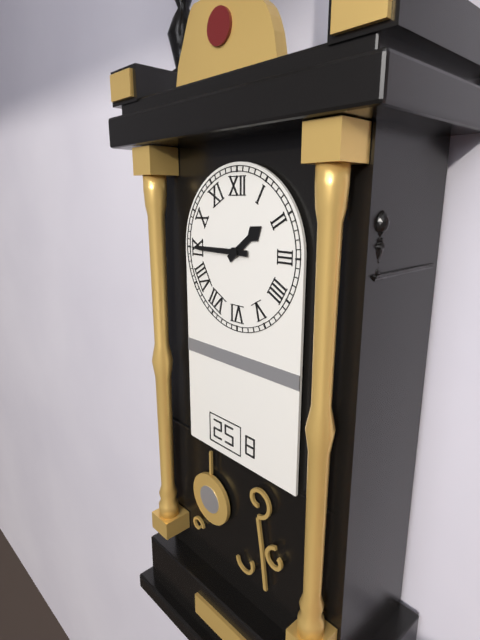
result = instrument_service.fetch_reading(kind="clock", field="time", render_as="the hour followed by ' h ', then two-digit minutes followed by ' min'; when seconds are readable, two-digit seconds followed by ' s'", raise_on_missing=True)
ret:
1 h 45 min
